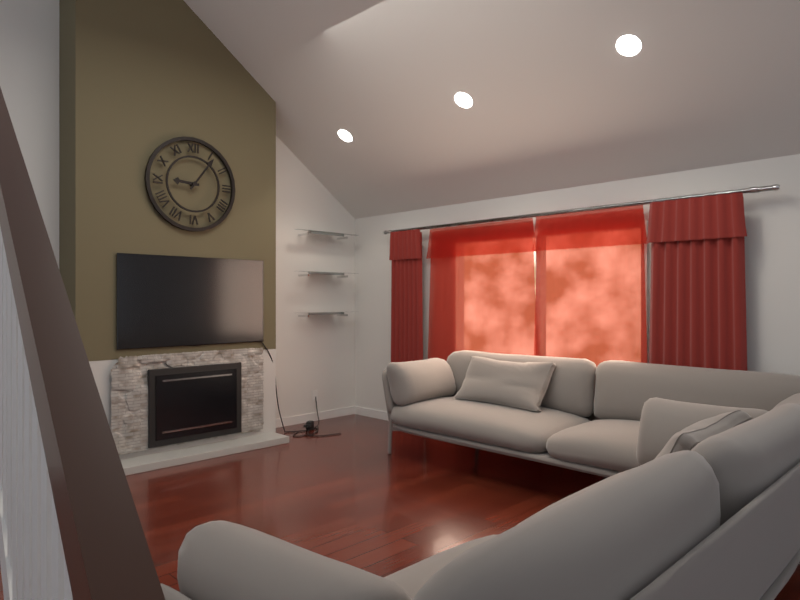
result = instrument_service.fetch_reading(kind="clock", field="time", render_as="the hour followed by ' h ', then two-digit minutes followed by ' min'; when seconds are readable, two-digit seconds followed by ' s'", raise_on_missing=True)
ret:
9 h 06 min
